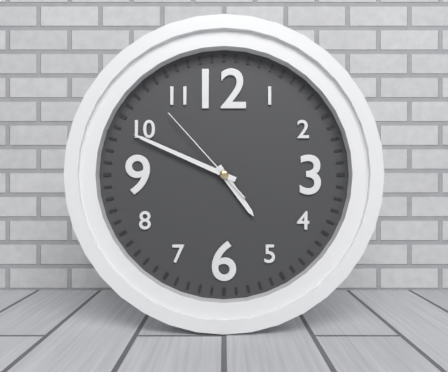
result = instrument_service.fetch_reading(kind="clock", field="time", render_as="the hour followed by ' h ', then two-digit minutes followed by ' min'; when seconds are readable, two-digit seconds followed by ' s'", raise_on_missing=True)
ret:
4 h 49 min 53 s
